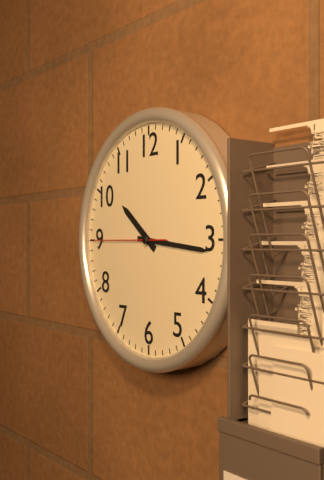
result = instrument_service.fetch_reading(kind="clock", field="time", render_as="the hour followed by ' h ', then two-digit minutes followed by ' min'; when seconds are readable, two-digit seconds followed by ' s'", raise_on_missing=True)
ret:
10 h 16 min 45 s
